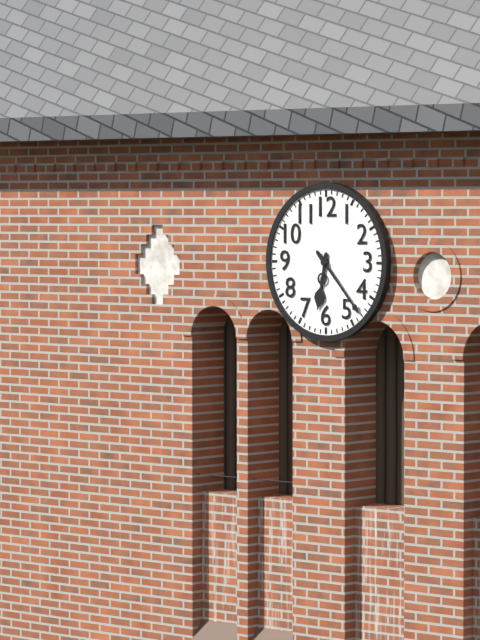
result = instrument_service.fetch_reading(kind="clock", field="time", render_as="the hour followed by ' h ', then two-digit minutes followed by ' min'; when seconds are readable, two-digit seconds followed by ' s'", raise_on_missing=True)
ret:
6 h 23 min
